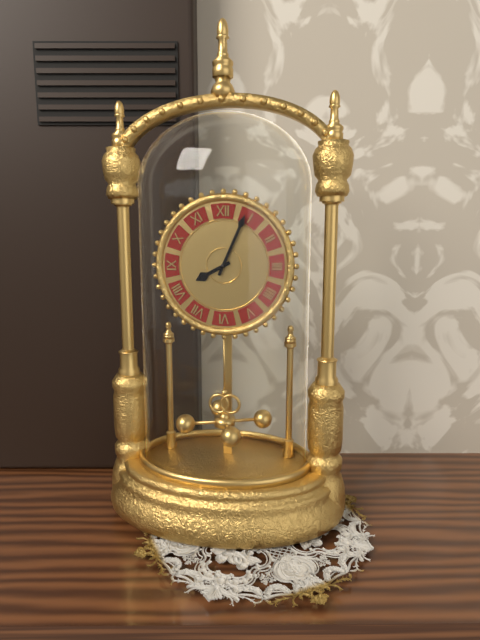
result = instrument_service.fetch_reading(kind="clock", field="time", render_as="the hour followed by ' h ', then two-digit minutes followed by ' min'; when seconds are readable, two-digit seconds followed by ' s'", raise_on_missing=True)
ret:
8 h 04 min
